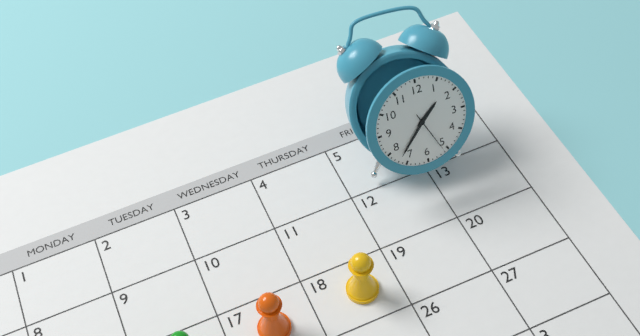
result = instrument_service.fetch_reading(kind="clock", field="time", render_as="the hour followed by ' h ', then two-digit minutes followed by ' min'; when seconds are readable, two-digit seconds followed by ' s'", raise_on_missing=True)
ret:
1 h 37 min 26 s
